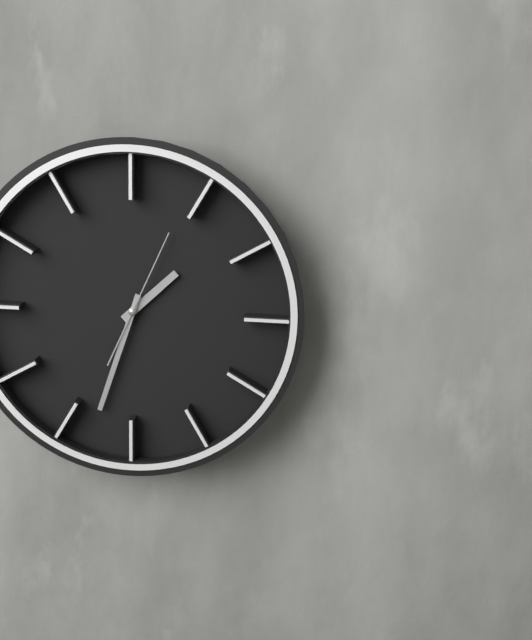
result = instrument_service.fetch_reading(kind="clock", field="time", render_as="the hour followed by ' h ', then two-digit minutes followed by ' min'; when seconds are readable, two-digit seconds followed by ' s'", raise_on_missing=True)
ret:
1 h 33 min 04 s
